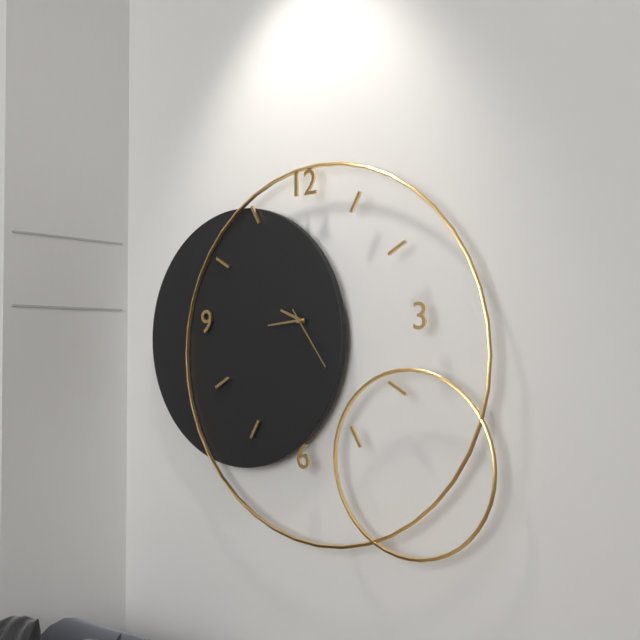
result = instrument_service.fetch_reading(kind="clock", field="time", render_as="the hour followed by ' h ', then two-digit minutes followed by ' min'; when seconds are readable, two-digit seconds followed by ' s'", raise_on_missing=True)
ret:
9 h 44 min 24 s
